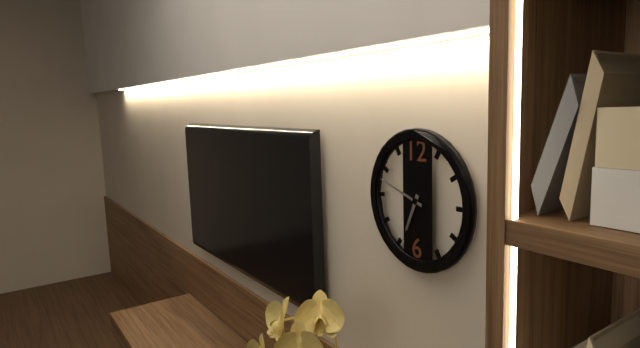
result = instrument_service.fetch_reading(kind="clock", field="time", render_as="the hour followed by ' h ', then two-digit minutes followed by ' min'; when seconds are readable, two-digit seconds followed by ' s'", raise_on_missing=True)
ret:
6 h 48 min
